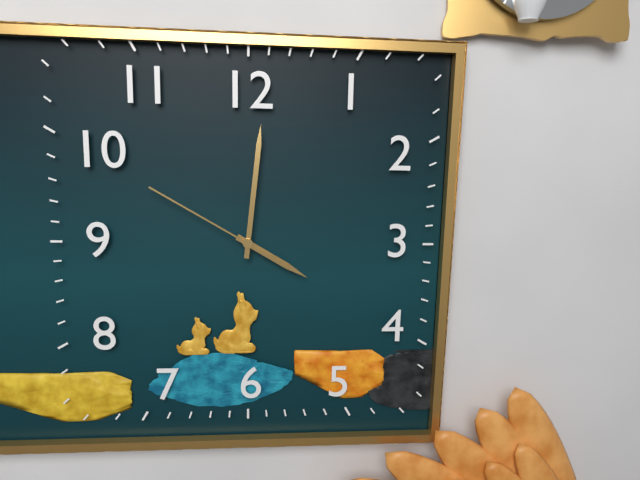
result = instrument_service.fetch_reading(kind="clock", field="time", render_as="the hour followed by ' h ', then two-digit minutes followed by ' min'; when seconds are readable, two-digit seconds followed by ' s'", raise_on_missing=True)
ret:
4 h 01 min 50 s
